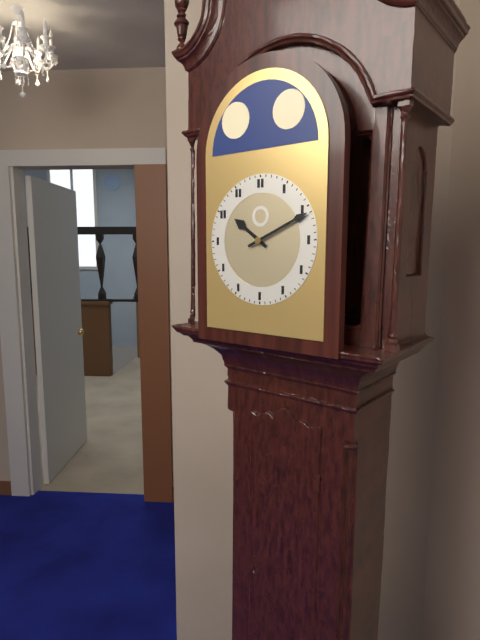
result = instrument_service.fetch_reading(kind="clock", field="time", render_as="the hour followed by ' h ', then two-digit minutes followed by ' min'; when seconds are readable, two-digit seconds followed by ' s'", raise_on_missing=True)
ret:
10 h 11 min
